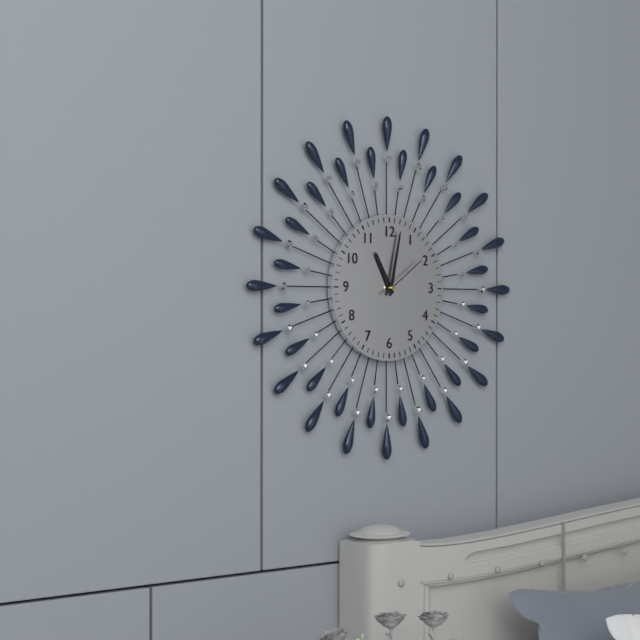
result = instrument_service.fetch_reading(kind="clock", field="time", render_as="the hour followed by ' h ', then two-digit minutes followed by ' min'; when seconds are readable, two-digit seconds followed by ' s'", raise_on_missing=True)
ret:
11 h 02 min 09 s
